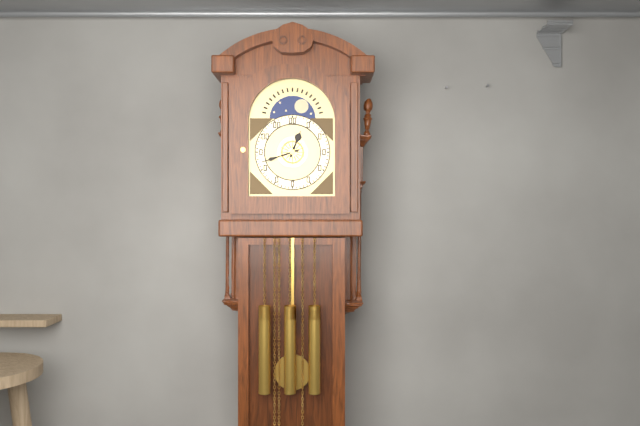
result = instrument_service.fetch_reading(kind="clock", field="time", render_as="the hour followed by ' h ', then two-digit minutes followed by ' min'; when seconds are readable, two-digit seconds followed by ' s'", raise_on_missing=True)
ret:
12 h 42 min
